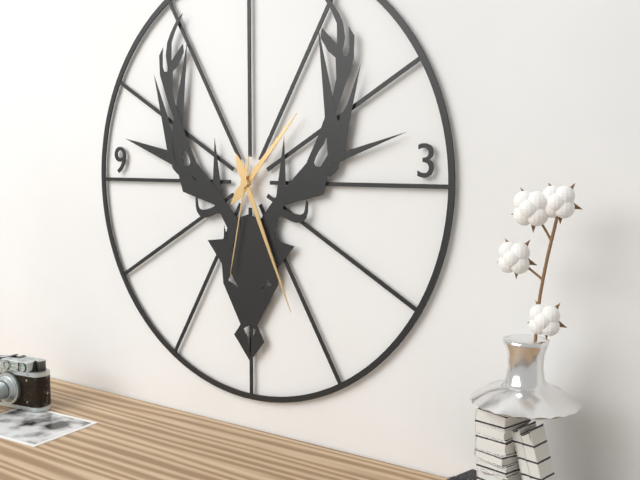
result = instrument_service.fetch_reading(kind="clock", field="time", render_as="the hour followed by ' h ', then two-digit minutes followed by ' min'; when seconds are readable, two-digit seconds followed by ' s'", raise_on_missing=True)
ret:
1 h 26 min 32 s
